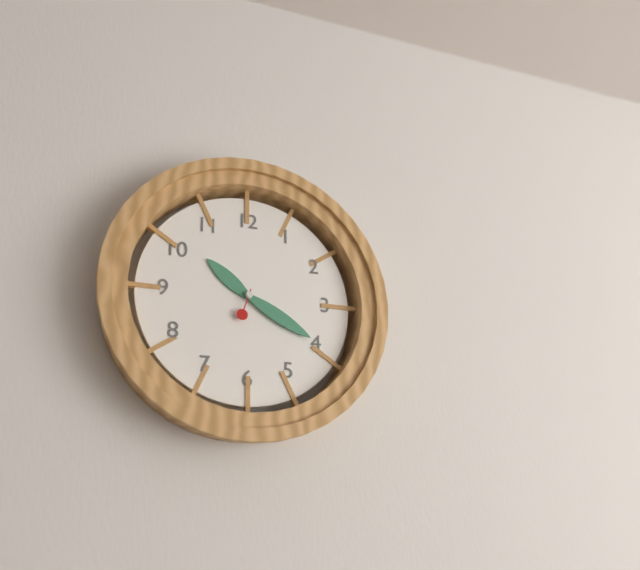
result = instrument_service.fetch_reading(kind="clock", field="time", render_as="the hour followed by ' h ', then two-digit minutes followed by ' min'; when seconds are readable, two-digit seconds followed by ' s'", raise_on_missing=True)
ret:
10 h 20 min
